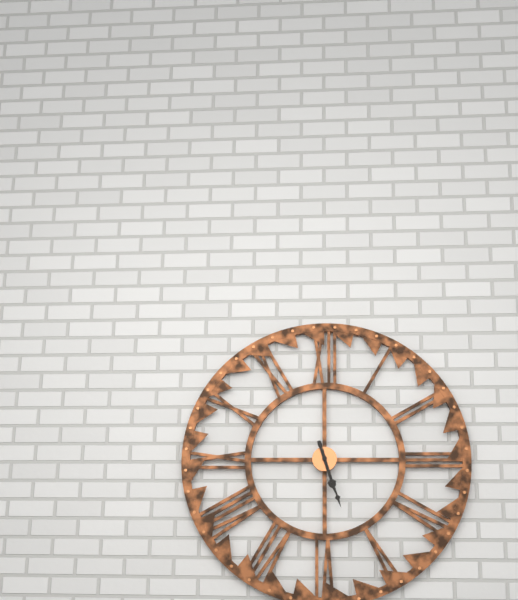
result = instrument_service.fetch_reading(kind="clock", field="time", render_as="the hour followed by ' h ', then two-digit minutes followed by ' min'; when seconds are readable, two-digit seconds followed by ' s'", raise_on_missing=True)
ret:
5 h 27 min
